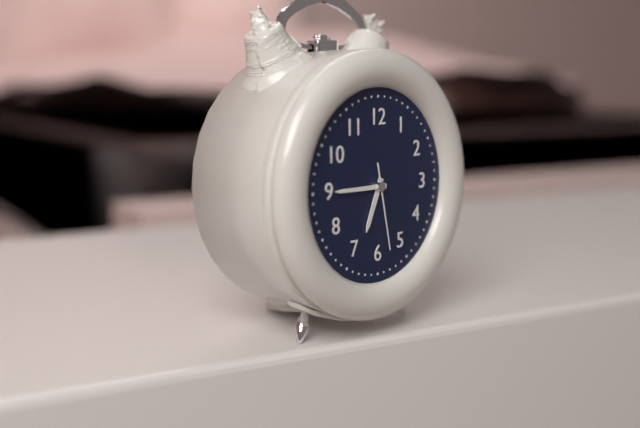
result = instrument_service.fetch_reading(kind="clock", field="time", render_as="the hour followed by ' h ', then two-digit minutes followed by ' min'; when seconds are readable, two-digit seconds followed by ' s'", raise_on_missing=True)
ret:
6 h 45 min 28 s
